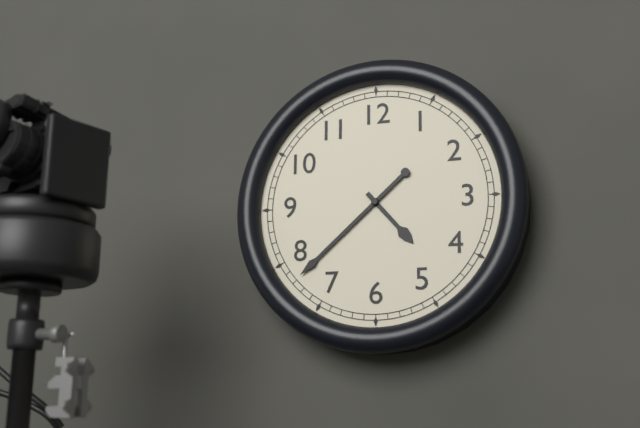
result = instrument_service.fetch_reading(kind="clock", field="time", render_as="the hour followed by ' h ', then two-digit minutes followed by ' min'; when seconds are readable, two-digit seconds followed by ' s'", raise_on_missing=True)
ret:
4 h 38 min
